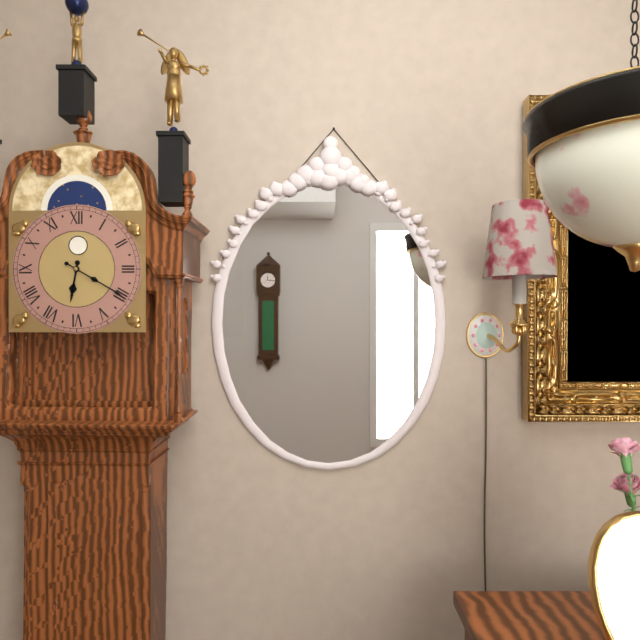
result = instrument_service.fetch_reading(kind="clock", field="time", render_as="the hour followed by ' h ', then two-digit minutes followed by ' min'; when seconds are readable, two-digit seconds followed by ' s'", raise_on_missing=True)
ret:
6 h 20 min
